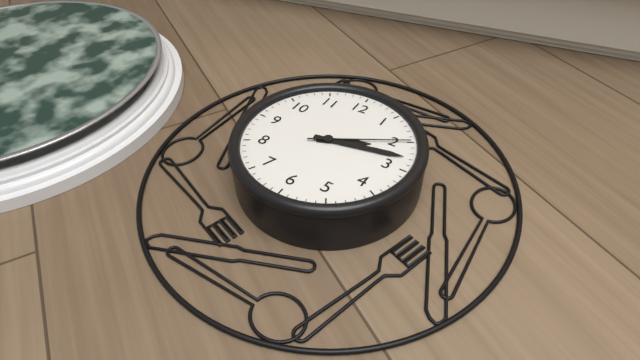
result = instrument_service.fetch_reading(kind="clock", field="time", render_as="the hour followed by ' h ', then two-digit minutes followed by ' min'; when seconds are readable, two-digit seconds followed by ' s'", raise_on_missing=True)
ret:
2 h 13 min 10 s
